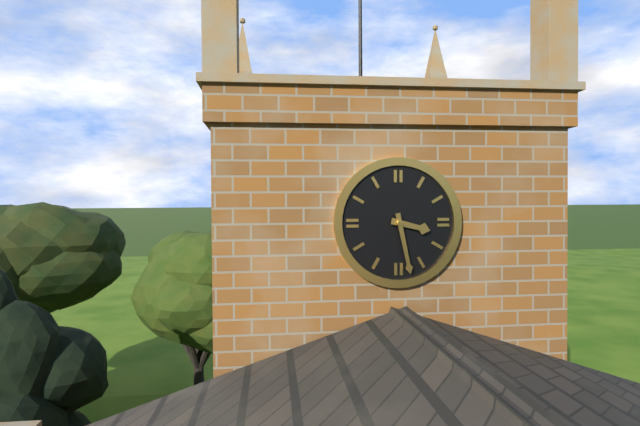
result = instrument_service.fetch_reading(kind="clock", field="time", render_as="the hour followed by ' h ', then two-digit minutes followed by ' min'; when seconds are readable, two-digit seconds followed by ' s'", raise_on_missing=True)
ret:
3 h 28 min
